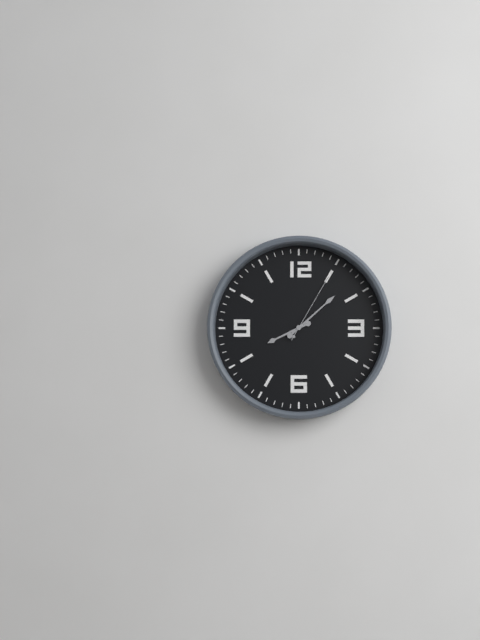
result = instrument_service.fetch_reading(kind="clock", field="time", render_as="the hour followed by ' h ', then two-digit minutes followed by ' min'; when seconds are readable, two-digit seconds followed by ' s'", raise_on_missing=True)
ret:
8 h 08 min 05 s
